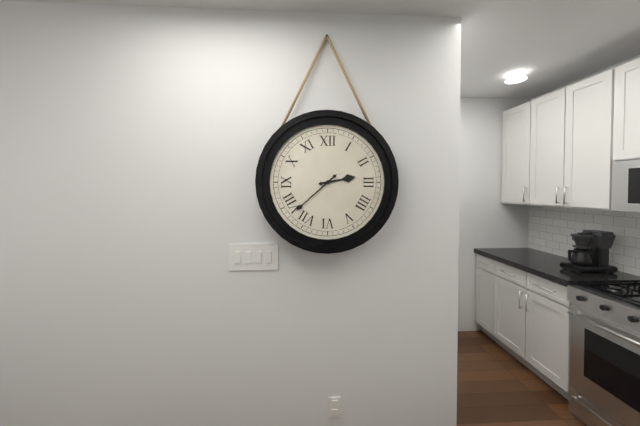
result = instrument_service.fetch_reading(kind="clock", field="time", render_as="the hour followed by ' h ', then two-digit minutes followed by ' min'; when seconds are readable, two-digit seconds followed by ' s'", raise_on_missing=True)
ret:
2 h 38 min
